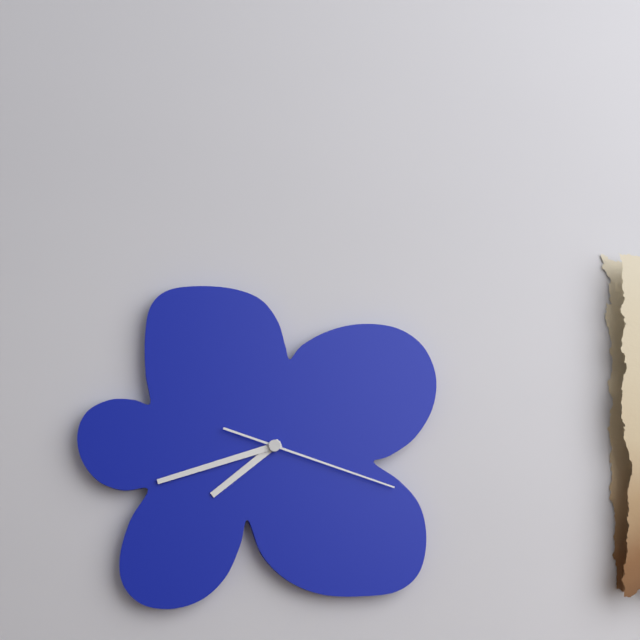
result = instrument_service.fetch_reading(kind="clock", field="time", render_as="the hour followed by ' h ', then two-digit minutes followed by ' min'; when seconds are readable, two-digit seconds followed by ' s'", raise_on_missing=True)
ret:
7 h 42 min 18 s
